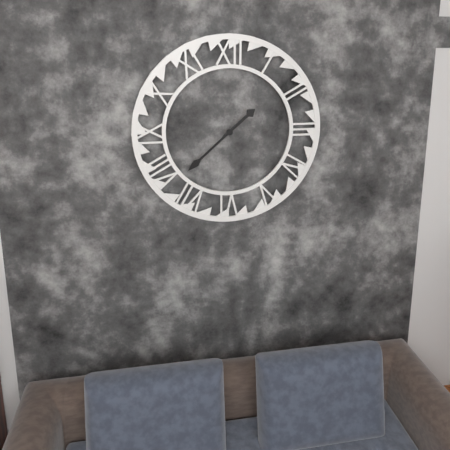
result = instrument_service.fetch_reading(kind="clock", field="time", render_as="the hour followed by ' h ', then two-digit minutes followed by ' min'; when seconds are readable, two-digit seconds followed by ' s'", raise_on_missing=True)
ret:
1 h 38 min
